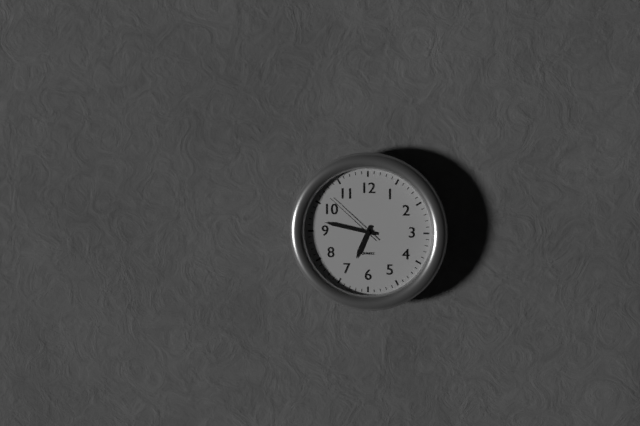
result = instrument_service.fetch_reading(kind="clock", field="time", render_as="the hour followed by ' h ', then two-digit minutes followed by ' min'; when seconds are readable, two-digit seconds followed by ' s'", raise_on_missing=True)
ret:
6 h 47 min 52 s
